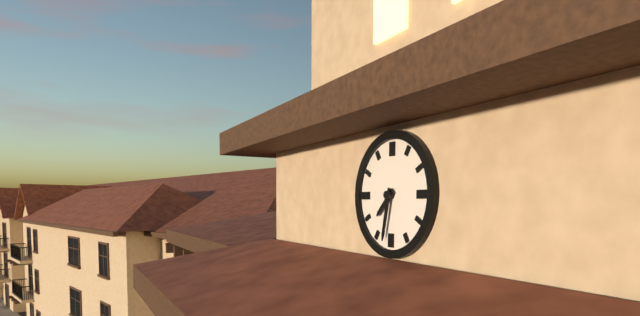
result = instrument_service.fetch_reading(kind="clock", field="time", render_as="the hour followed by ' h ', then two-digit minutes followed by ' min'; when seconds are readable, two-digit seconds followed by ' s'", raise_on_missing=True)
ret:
7 h 32 min
